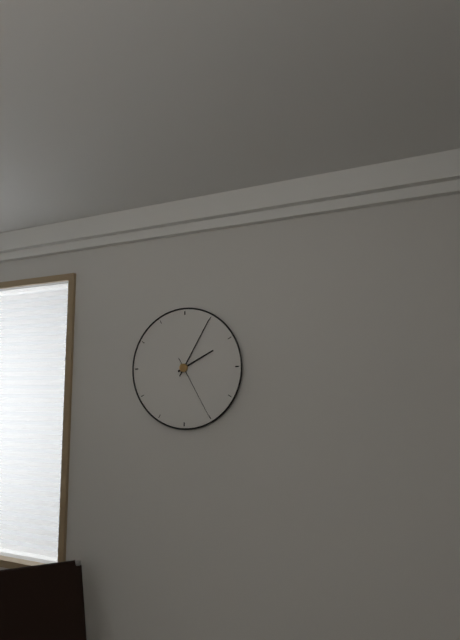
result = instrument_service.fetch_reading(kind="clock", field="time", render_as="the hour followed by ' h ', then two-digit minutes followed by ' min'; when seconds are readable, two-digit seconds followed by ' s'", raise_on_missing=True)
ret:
2 h 05 min 25 s
